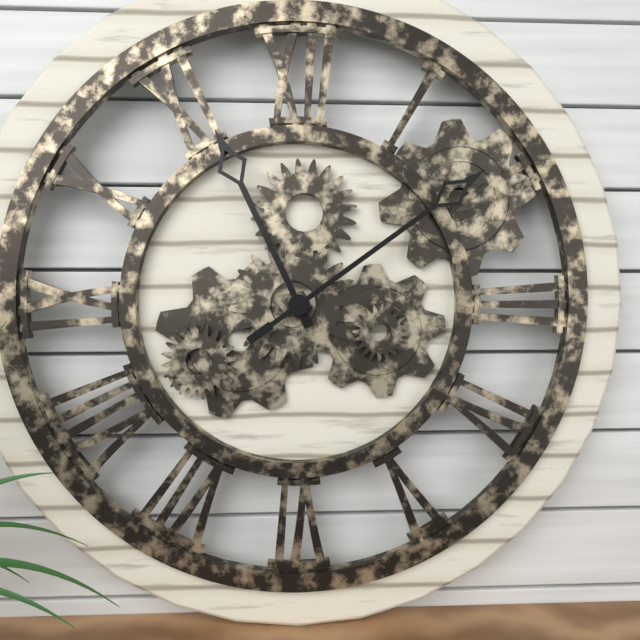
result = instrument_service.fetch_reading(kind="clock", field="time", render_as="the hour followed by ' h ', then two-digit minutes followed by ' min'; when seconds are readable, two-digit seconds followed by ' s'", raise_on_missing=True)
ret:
11 h 09 min
